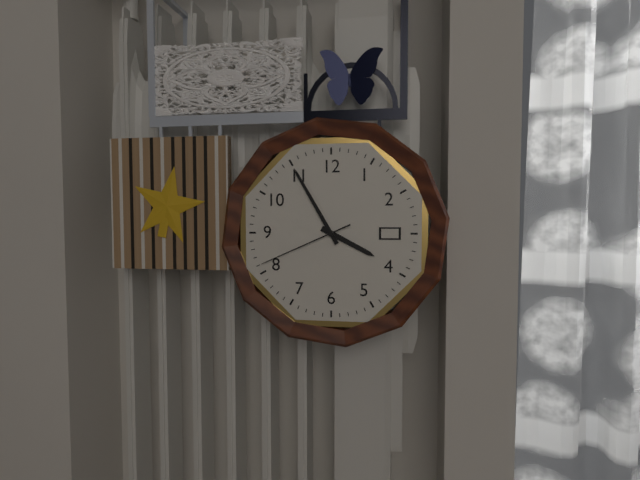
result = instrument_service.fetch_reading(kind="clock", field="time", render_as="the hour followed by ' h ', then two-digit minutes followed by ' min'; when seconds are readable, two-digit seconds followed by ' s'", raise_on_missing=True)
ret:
3 h 55 min 41 s
